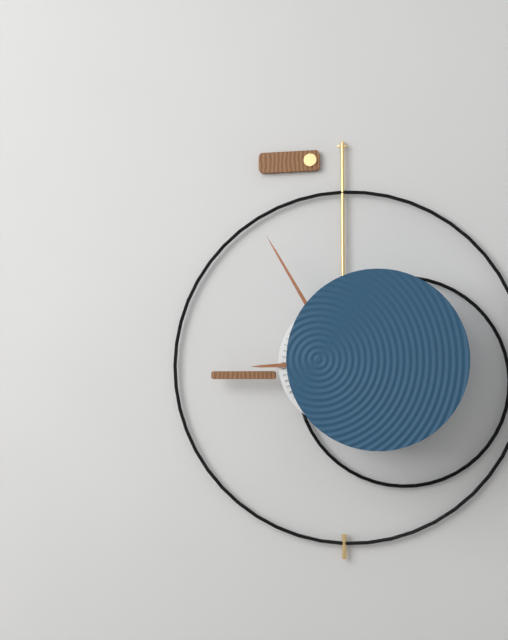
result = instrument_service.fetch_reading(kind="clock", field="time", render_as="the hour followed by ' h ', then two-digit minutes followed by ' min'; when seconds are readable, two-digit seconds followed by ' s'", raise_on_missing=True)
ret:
8 h 55 min
